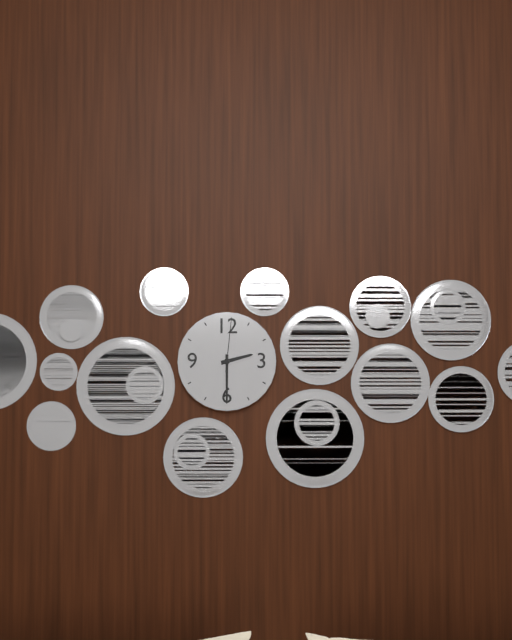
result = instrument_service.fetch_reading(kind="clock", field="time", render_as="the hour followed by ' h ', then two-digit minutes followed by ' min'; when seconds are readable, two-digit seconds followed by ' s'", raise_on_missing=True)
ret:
2 h 30 min 01 s
